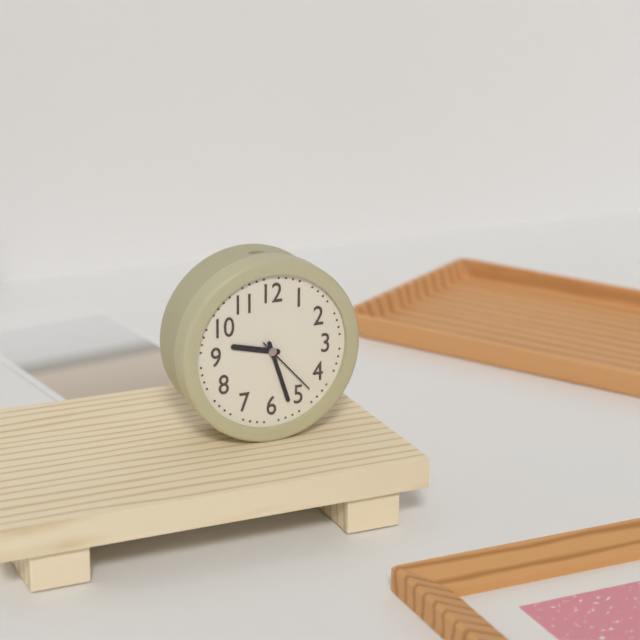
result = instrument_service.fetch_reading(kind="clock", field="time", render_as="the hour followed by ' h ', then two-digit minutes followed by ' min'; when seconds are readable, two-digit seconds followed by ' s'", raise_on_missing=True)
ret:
9 h 27 min 23 s
